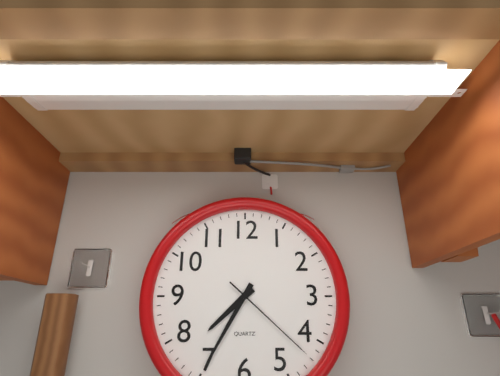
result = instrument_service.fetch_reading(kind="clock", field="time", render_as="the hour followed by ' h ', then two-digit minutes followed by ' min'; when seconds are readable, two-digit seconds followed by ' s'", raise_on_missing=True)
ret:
7 h 35 min 22 s
